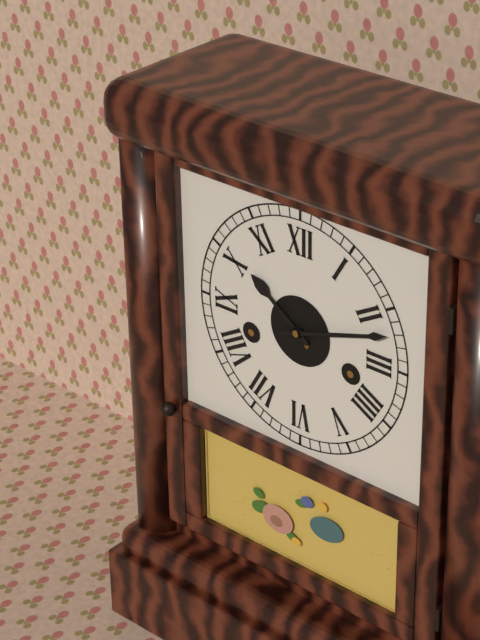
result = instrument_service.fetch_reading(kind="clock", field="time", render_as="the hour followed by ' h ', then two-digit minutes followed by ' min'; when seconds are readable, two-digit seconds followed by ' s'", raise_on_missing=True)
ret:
10 h 12 min
